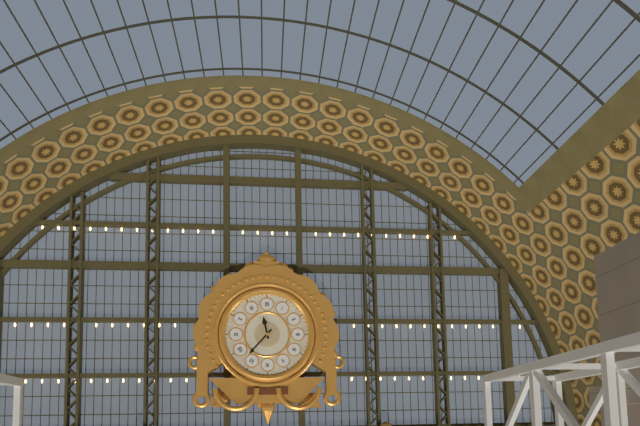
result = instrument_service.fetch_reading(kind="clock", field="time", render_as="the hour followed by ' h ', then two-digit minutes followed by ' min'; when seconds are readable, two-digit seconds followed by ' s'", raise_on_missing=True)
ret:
11 h 37 min
